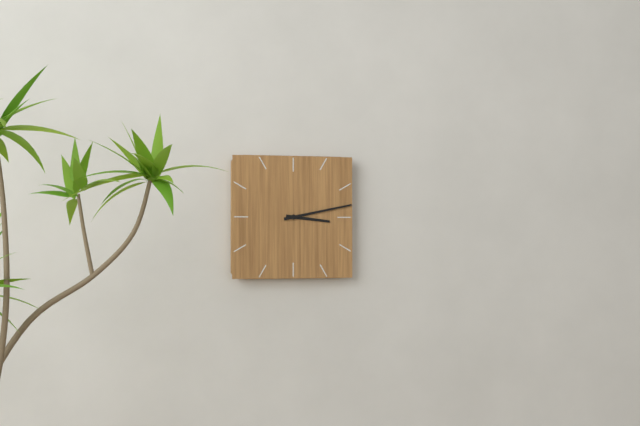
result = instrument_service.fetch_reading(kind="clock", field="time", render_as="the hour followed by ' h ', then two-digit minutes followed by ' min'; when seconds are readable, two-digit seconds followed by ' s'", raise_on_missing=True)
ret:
3 h 13 min
